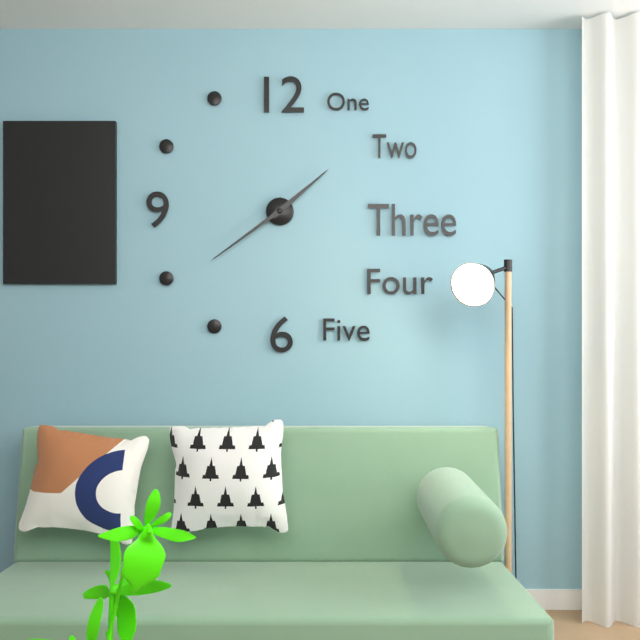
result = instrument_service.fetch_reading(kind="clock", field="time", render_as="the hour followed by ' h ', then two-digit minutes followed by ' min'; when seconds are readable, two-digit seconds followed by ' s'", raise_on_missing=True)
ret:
1 h 39 min
